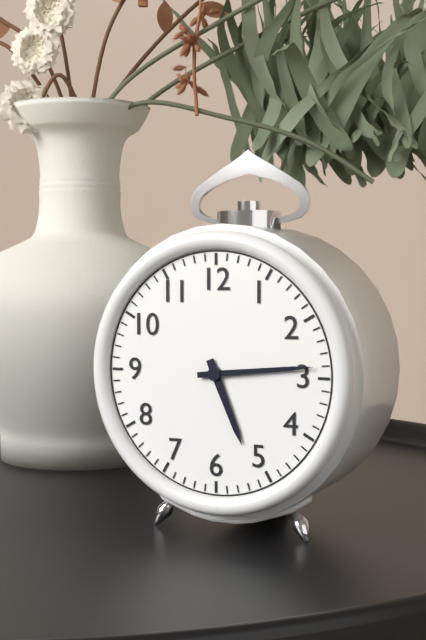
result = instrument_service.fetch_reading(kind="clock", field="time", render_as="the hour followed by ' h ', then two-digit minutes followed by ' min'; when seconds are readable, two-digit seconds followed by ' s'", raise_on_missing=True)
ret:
5 h 14 min
